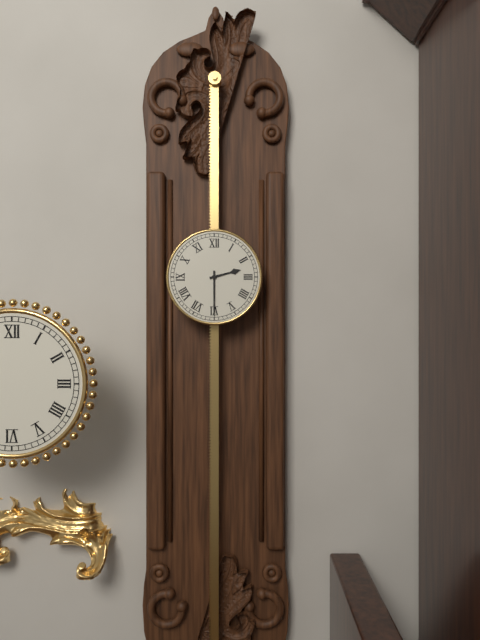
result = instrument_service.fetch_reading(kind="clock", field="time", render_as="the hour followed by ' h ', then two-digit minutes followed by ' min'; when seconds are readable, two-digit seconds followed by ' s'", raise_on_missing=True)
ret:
2 h 30 min
